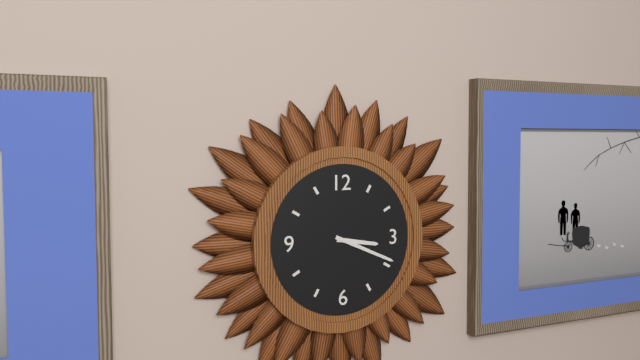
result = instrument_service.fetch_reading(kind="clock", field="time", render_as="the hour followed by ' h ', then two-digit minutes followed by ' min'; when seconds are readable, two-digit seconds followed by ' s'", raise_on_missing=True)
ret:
3 h 19 min
